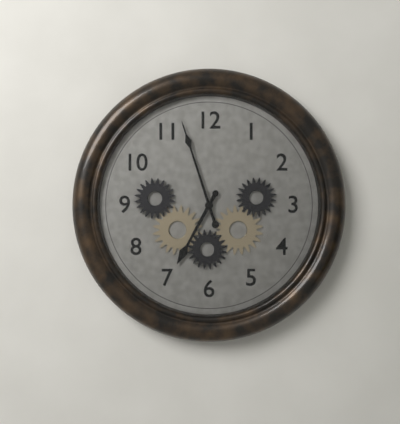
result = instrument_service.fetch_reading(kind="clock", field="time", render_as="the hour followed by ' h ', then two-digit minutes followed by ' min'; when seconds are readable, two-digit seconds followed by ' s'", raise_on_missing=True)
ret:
6 h 57 min
